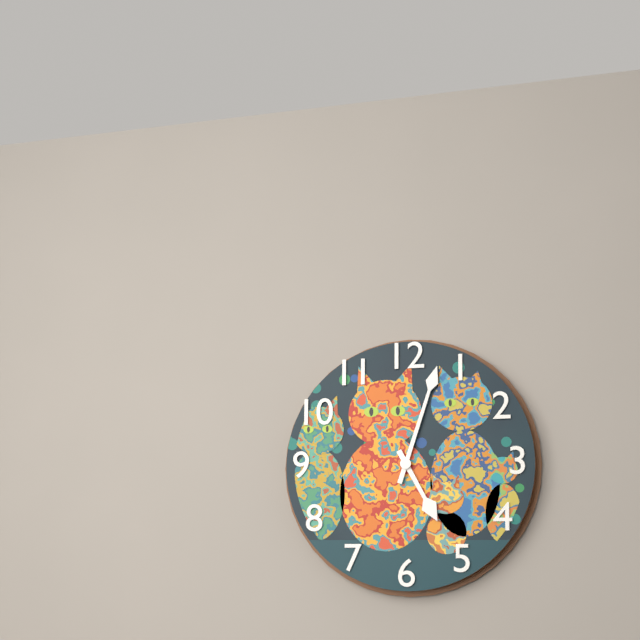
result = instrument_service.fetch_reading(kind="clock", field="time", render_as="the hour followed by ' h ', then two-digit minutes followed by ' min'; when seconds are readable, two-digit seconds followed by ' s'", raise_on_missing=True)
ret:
5 h 03 min
